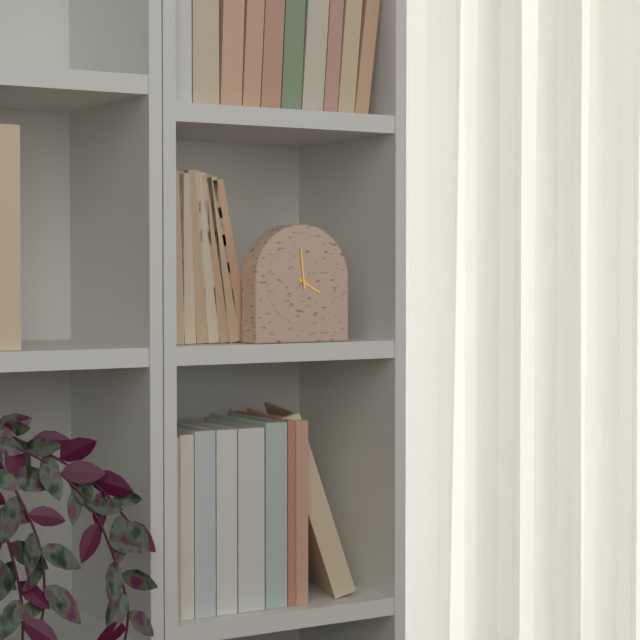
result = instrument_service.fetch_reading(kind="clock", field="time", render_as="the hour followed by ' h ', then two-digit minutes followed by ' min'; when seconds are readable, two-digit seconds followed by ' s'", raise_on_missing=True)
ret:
3 h 59 min
